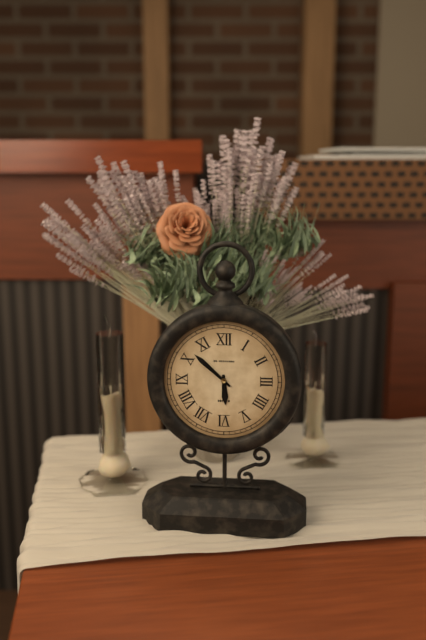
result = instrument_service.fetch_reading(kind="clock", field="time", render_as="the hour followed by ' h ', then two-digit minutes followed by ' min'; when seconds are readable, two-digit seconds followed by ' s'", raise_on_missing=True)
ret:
5 h 52 min
